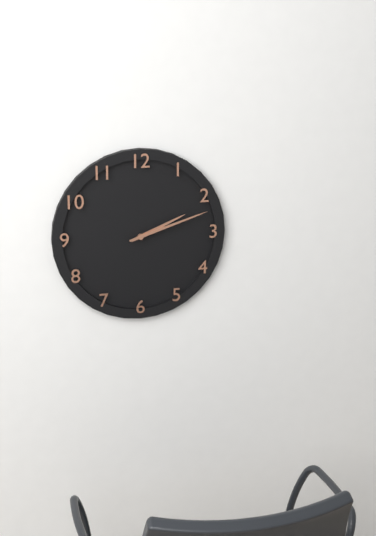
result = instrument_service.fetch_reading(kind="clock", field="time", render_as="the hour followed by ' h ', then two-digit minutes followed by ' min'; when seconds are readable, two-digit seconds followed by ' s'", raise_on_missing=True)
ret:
2 h 12 min
